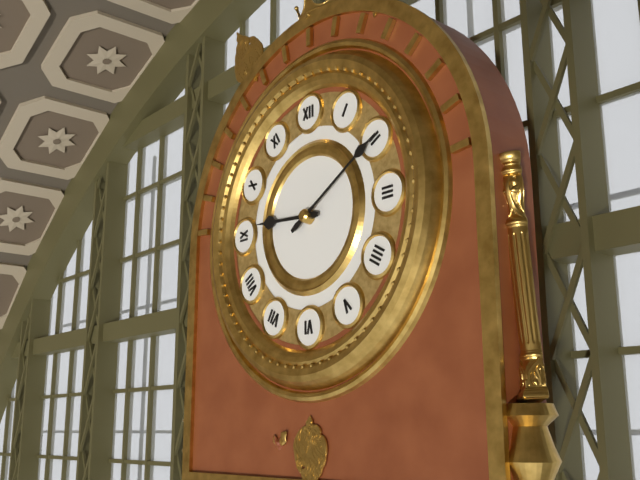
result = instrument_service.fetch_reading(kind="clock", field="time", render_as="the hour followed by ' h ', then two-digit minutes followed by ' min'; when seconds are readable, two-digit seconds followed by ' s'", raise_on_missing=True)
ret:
9 h 10 min
